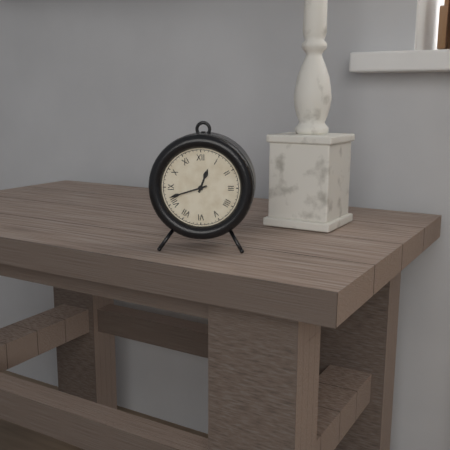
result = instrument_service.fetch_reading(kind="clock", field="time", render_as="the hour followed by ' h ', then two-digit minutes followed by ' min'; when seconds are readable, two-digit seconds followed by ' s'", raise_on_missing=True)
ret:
12 h 42 min
